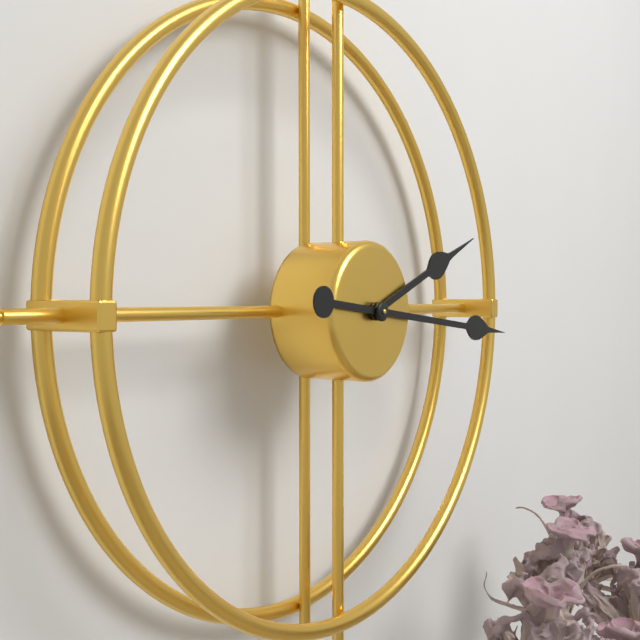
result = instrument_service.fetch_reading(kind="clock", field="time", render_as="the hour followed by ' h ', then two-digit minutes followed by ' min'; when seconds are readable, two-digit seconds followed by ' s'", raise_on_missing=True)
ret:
2 h 16 min
